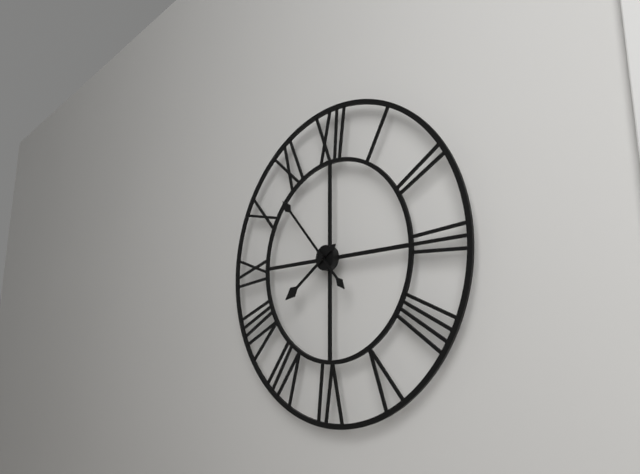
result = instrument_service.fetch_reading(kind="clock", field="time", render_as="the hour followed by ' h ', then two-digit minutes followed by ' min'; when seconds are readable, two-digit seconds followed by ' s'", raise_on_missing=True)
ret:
7 h 53 min
